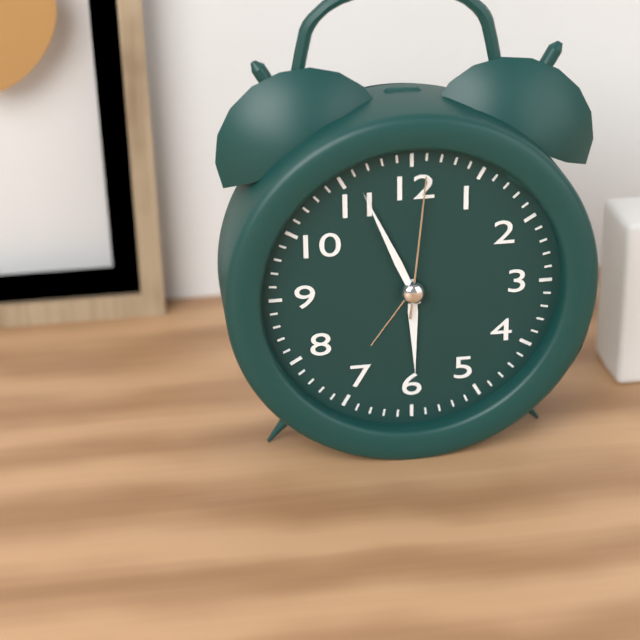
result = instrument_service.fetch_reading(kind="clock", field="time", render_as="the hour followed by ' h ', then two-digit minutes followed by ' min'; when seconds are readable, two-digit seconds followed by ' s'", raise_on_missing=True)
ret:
5 h 56 min 01 s
